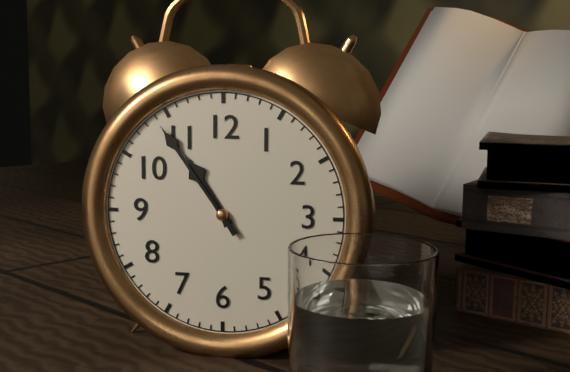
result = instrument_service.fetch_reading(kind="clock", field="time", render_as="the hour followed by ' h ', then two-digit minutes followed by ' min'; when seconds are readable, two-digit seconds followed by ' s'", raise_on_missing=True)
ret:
10 h 54 min
